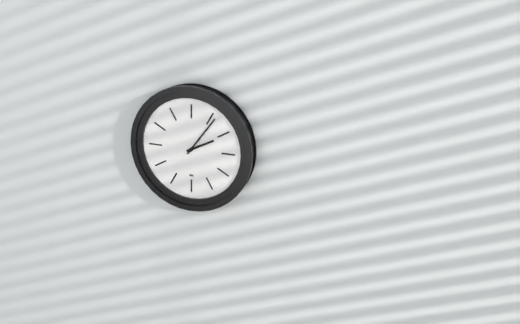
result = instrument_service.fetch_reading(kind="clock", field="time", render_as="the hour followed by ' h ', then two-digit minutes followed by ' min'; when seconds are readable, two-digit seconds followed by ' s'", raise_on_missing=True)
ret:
2 h 06 min
